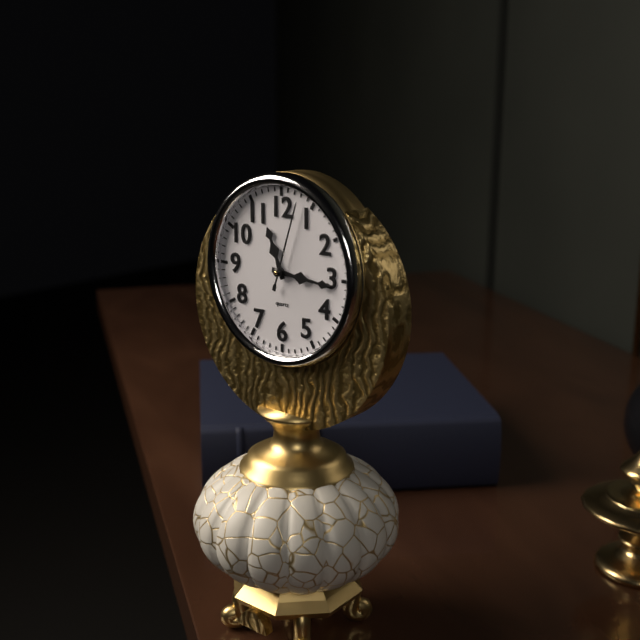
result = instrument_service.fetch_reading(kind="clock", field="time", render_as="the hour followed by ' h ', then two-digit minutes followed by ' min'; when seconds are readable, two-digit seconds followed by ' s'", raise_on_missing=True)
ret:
11 h 16 min 03 s
